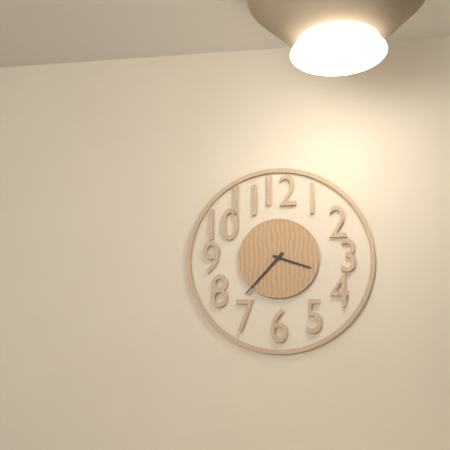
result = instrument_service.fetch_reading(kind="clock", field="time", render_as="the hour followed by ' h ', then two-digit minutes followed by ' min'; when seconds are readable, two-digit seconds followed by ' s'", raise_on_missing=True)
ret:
3 h 37 min
